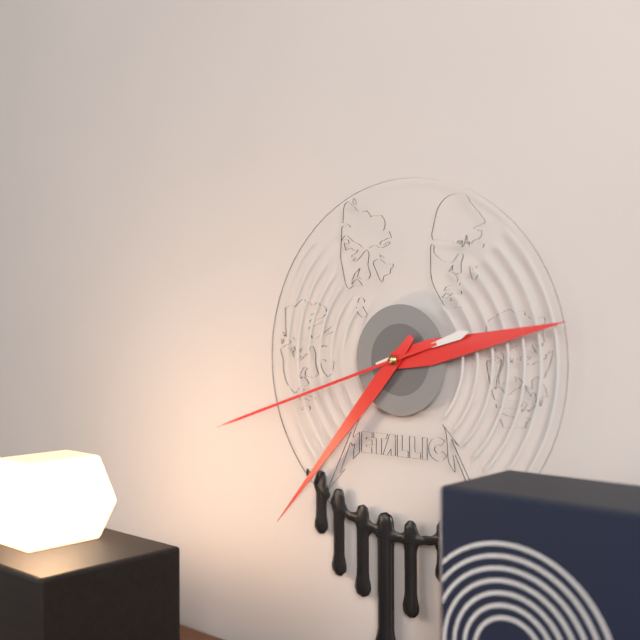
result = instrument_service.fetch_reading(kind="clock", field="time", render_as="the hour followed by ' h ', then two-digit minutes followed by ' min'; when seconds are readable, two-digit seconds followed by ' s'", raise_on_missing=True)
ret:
2 h 37 min 42 s
